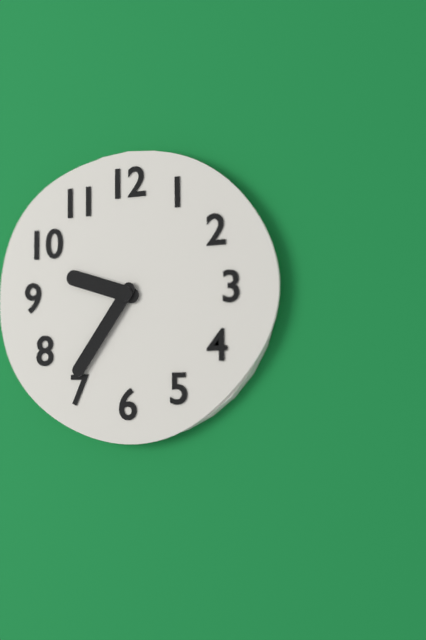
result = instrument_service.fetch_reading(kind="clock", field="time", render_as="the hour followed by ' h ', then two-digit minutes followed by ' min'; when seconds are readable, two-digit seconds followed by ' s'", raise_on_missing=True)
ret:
9 h 36 min
